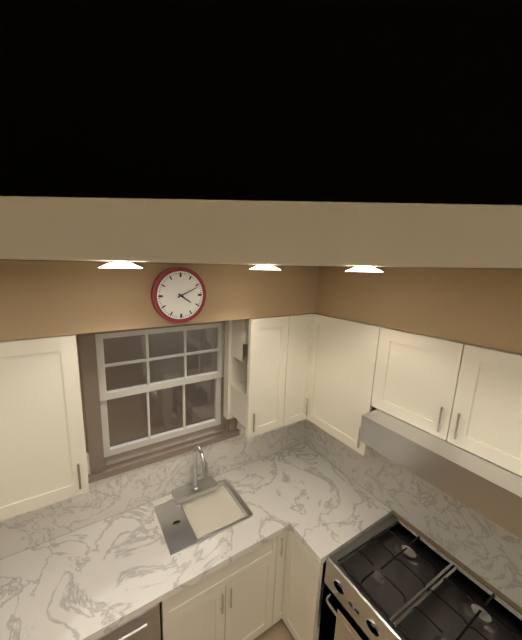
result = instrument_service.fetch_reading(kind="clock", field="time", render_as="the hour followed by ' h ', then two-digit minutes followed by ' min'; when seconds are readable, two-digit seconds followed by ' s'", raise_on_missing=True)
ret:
4 h 11 min
